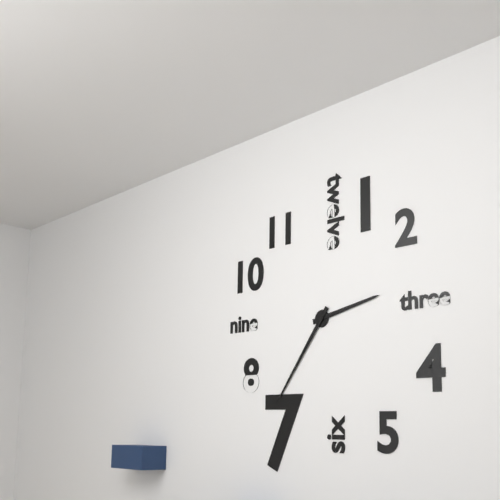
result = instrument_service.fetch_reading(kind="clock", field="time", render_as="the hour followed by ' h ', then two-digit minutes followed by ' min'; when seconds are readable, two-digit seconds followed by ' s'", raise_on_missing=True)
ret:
2 h 36 min
